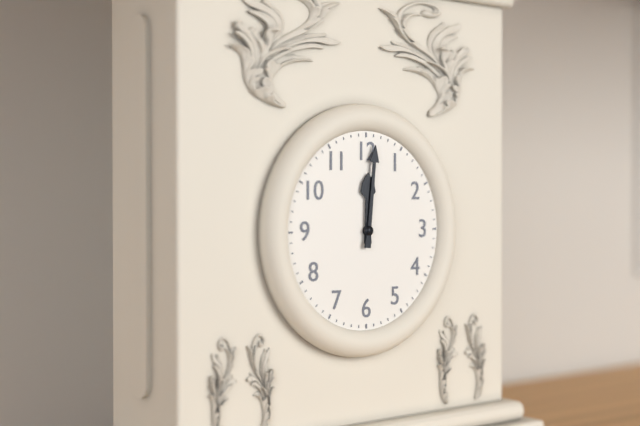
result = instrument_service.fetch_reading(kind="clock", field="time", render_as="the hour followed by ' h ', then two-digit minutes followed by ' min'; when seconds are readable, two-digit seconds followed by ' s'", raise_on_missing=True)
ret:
12 h 01 min
